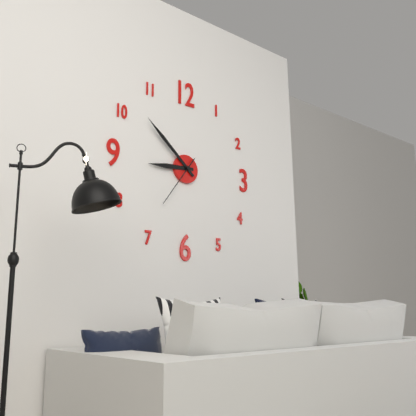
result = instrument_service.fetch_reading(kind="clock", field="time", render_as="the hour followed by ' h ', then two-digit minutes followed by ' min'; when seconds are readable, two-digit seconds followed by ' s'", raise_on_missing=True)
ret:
8 h 52 min 36 s
